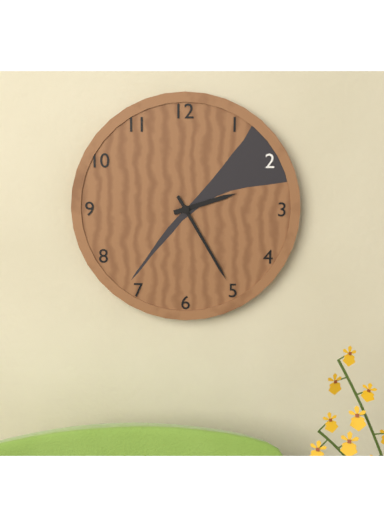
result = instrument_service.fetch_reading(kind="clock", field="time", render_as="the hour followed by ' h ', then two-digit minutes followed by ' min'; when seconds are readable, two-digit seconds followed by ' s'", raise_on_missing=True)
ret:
2 h 25 min
